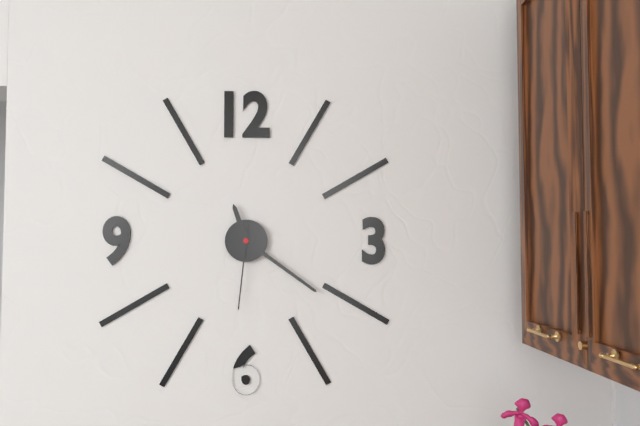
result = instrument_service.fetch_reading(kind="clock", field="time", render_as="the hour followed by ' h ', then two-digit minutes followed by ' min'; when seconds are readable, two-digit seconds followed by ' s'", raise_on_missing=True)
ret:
11 h 21 min 31 s
